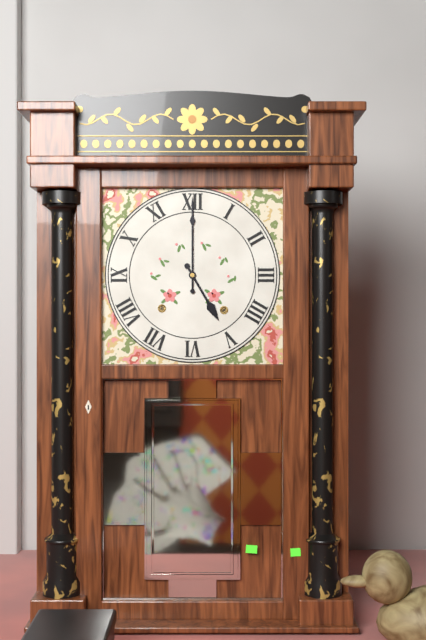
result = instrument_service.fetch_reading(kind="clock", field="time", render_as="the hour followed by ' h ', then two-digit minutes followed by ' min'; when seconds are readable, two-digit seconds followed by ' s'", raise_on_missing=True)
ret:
5 h 00 min
